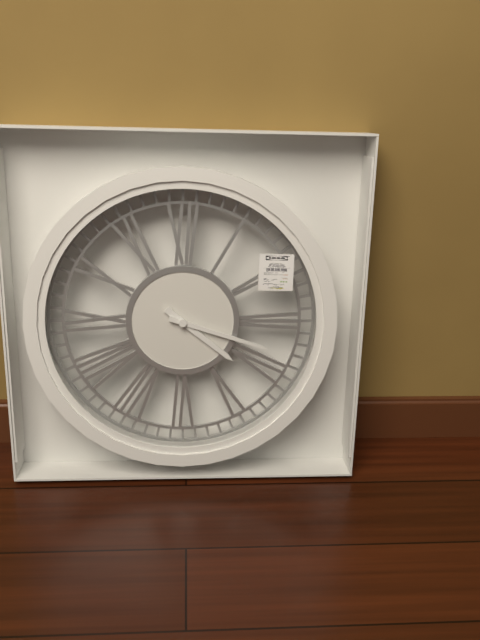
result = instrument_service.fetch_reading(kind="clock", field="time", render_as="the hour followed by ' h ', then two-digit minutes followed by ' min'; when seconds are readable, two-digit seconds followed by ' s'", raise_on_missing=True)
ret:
4 h 18 min
